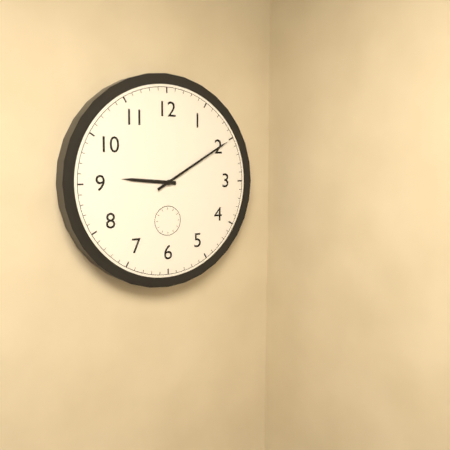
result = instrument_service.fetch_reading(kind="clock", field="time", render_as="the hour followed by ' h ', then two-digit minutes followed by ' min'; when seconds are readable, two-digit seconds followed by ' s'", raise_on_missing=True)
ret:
9 h 10 min
